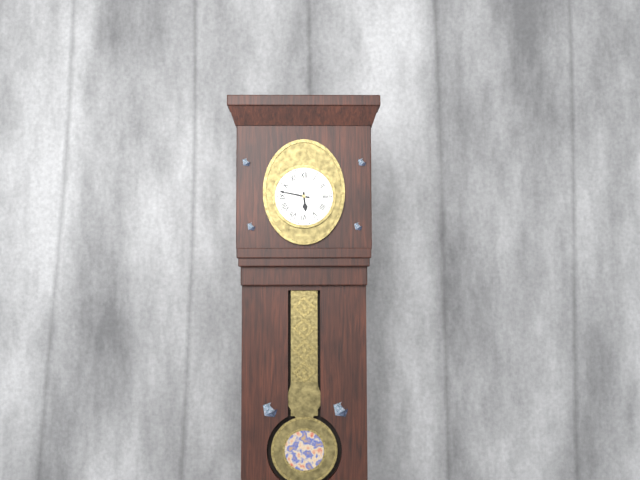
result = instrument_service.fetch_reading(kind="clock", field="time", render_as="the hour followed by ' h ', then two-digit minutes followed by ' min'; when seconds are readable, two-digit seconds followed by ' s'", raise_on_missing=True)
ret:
5 h 47 min
